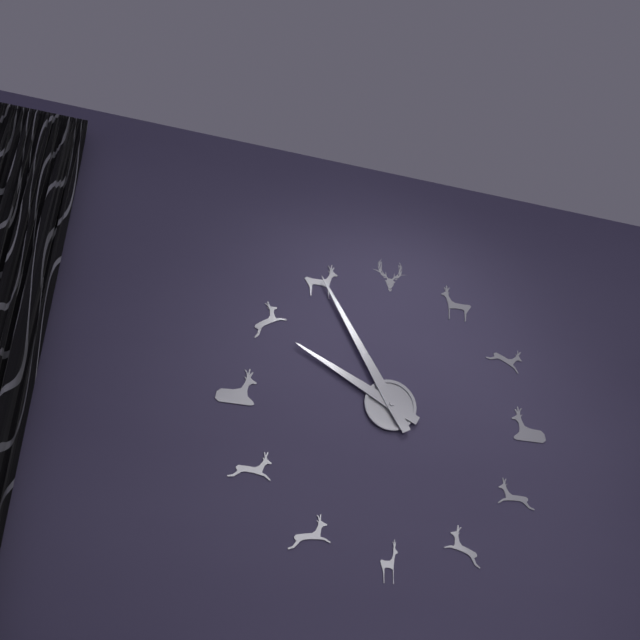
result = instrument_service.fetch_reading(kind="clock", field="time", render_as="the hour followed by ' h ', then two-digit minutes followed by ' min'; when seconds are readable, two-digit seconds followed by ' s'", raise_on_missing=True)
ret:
9 h 55 min
